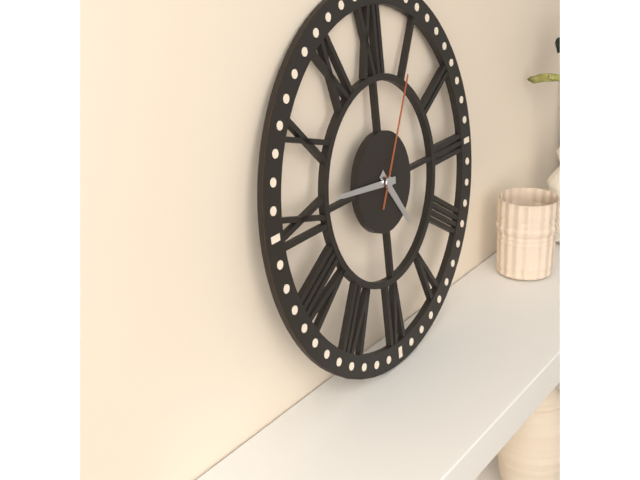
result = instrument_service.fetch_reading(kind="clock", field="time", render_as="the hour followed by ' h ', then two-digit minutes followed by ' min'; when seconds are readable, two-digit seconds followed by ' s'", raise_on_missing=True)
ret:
4 h 46 min 05 s
